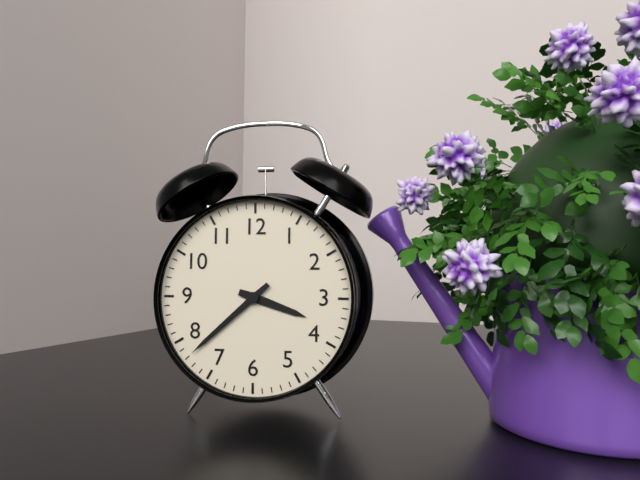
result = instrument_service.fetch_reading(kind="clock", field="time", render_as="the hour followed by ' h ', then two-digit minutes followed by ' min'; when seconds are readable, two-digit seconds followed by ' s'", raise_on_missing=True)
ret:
3 h 38 min
